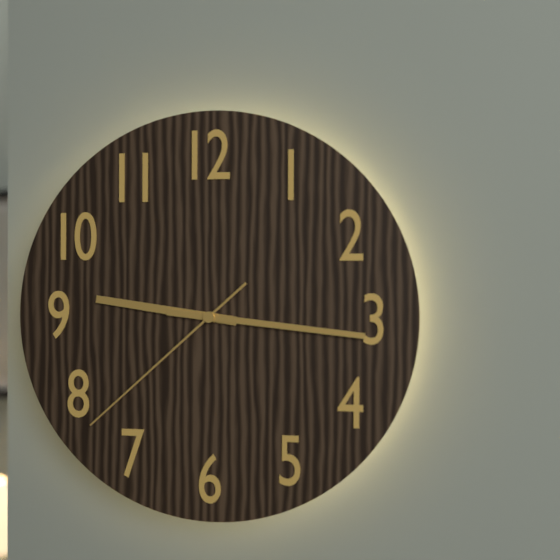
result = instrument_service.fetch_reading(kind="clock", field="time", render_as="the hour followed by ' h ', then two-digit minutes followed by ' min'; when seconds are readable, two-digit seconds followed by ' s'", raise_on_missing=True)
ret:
9 h 16 min 38 s
